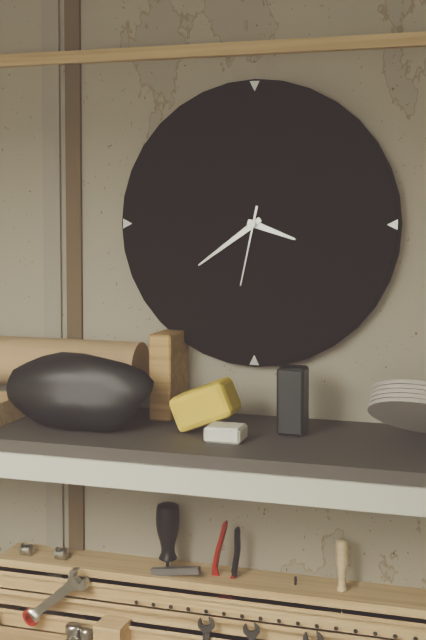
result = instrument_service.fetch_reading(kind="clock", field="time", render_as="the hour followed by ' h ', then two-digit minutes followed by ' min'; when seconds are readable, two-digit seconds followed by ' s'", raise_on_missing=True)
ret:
3 h 39 min 32 s
